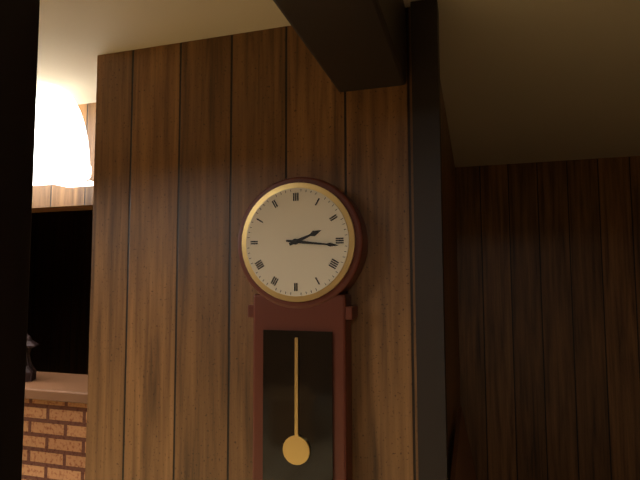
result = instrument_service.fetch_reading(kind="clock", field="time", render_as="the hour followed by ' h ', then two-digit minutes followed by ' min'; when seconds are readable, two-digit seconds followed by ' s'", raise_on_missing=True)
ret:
2 h 16 min
